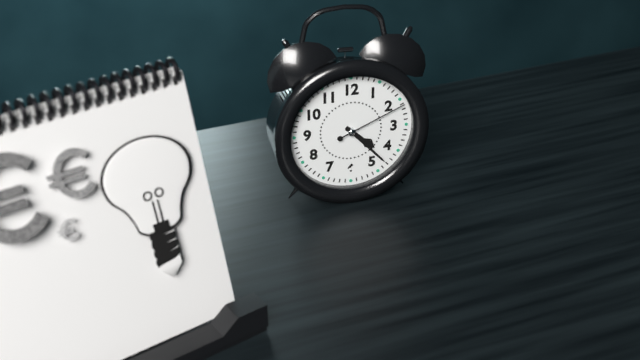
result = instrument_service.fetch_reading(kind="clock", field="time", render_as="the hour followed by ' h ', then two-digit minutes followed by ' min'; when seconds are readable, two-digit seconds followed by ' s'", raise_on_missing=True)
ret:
4 h 23 min 11 s
